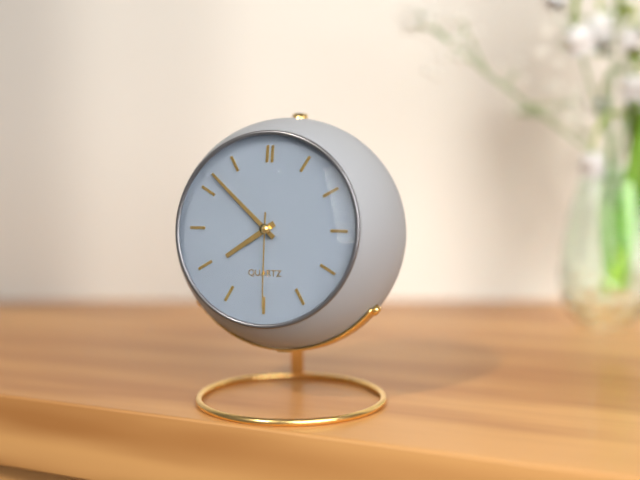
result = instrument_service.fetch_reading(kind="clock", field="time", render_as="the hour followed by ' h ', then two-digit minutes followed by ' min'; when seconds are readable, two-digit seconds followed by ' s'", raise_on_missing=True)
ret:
7 h 52 min 30 s
